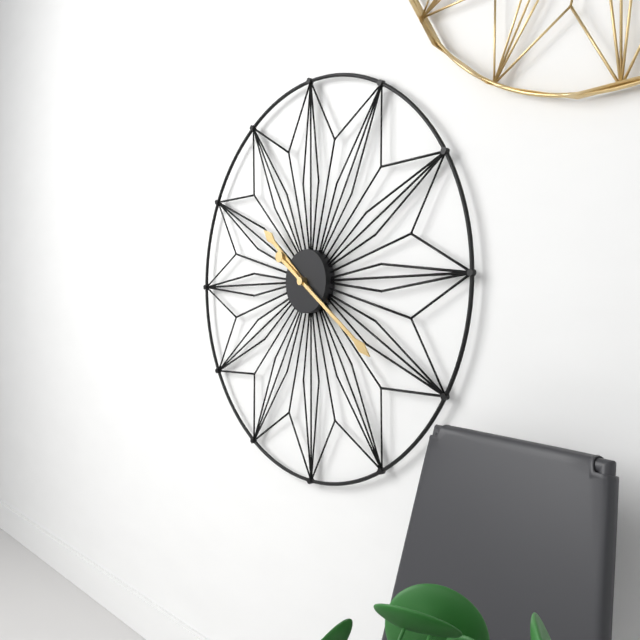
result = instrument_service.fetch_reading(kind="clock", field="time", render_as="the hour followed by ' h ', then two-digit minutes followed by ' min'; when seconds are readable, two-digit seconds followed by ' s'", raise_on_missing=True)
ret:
10 h 21 min
